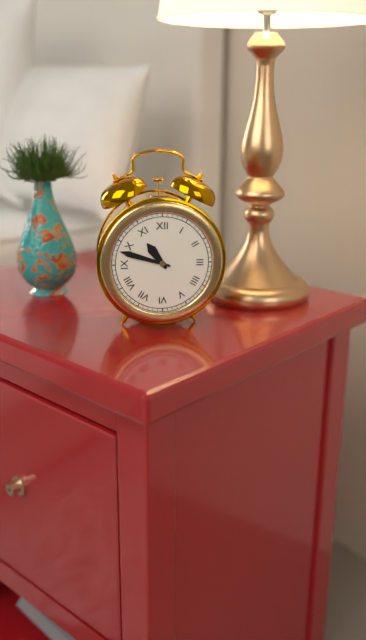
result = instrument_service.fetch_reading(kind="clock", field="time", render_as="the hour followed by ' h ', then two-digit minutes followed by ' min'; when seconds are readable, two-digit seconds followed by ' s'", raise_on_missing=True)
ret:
10 h 48 min
